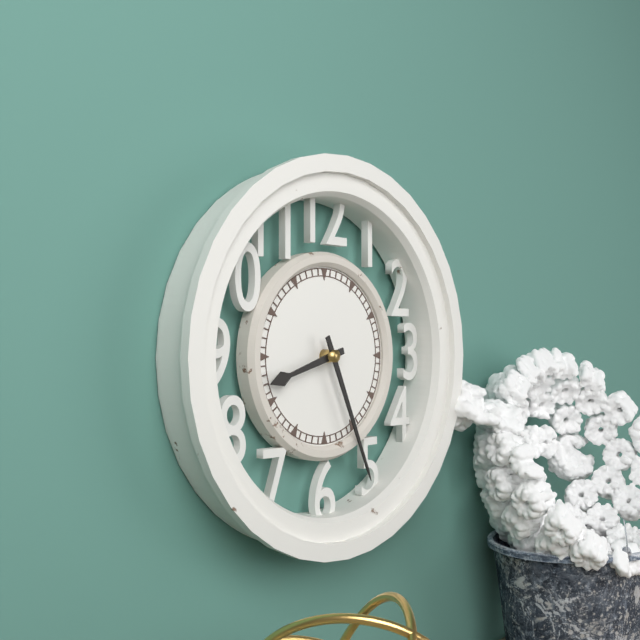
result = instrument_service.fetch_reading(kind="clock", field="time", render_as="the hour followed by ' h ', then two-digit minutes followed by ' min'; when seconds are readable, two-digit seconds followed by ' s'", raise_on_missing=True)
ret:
8 h 26 min
